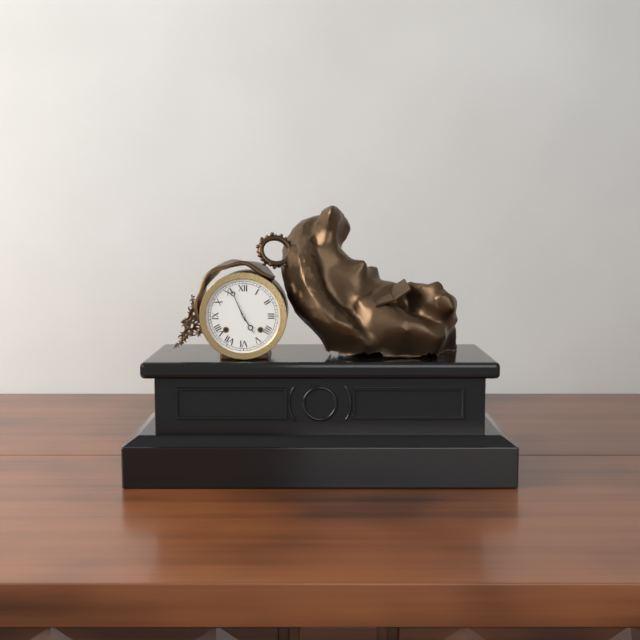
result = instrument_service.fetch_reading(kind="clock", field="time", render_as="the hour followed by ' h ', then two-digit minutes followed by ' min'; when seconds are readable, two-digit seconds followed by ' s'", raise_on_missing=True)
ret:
4 h 56 min
